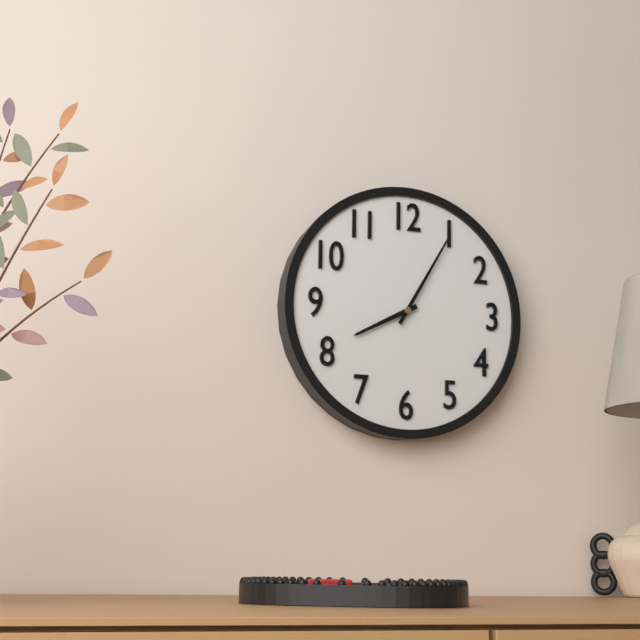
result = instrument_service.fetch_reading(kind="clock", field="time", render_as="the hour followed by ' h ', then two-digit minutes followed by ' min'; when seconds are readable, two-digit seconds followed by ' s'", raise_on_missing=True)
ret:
8 h 05 min
